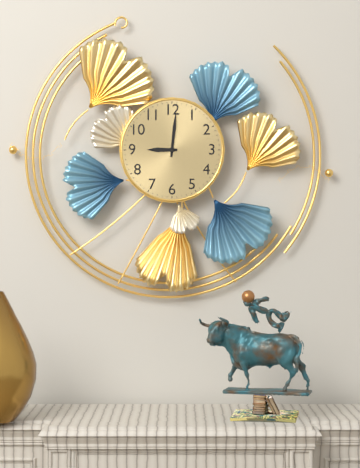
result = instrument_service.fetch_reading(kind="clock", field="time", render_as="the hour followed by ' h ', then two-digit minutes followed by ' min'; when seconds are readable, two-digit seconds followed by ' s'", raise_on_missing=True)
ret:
9 h 01 min
